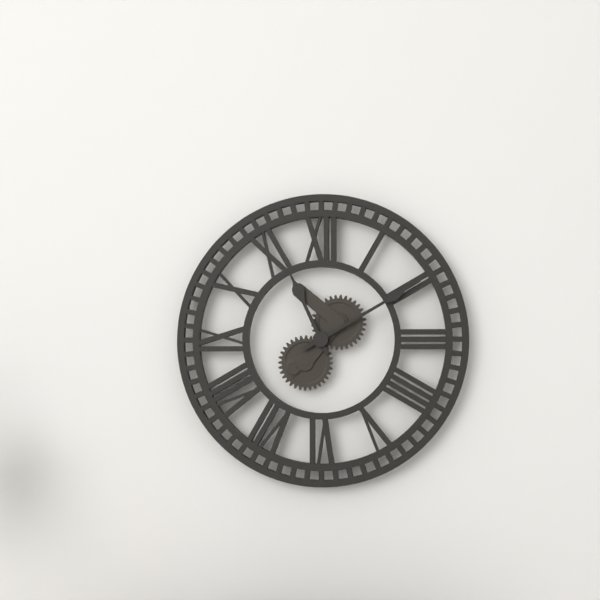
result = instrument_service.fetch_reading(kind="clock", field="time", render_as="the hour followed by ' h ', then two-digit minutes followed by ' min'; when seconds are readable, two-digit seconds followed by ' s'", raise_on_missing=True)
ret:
11 h 10 min
